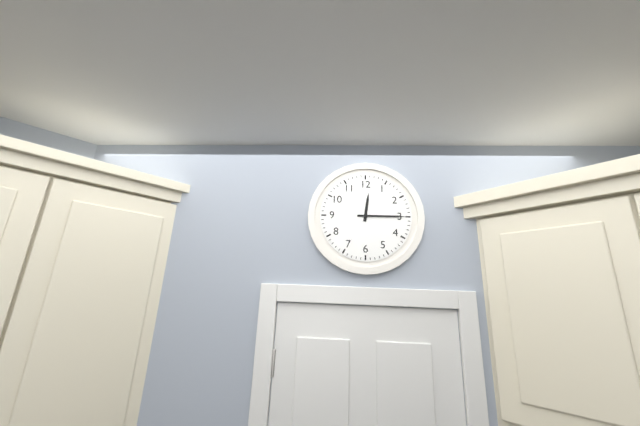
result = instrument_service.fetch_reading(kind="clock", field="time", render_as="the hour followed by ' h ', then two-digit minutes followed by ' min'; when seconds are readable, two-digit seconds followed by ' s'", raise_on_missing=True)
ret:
12 h 15 min
